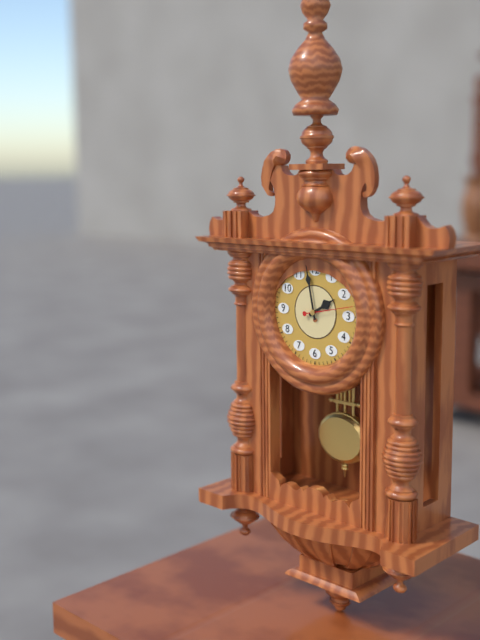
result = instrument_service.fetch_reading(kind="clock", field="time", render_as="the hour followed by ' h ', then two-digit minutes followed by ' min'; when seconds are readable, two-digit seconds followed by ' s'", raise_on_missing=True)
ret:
1 h 58 min
